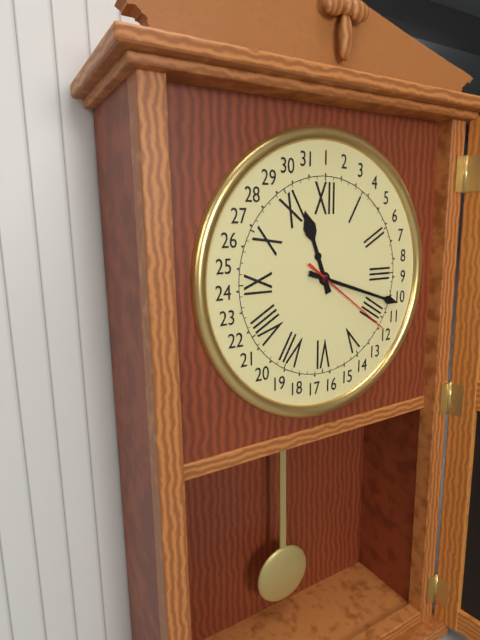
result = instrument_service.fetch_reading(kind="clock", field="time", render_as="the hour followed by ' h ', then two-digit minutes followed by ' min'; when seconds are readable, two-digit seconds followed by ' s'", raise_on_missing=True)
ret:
11 h 18 min 21 s
